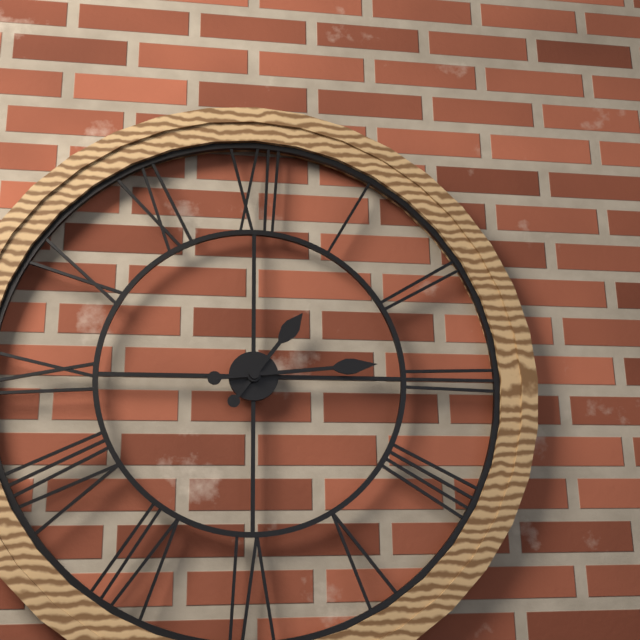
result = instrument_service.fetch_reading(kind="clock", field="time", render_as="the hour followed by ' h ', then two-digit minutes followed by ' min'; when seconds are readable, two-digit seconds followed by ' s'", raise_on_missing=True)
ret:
1 h 14 min
